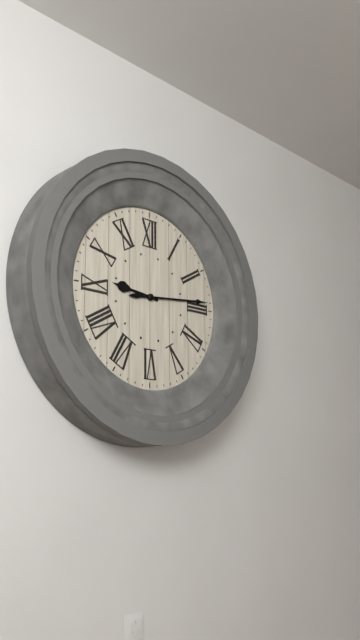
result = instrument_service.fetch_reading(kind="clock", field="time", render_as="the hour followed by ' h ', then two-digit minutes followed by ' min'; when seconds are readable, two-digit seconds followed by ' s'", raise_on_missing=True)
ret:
9 h 14 min
